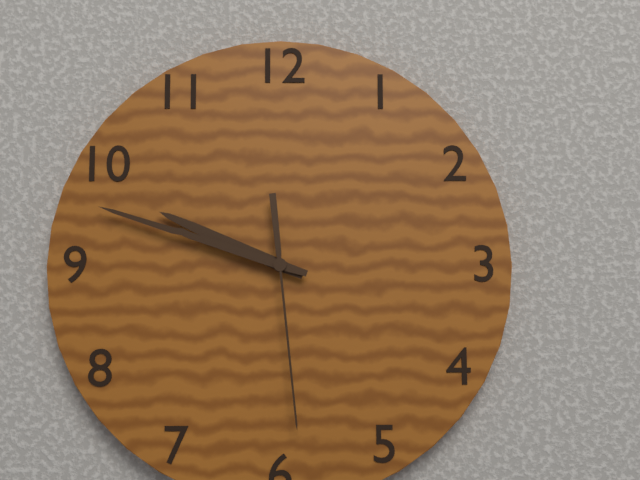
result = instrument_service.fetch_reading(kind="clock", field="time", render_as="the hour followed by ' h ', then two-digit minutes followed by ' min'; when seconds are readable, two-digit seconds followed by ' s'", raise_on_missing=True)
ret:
9 h 48 min 29 s
